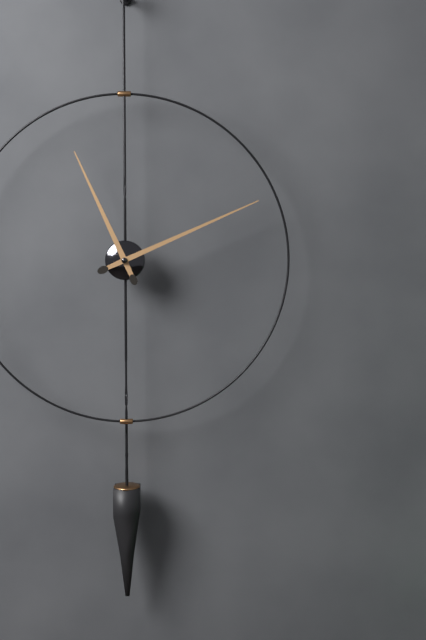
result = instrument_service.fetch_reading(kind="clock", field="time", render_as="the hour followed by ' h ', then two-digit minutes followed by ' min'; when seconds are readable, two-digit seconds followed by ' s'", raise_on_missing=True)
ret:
11 h 11 min
